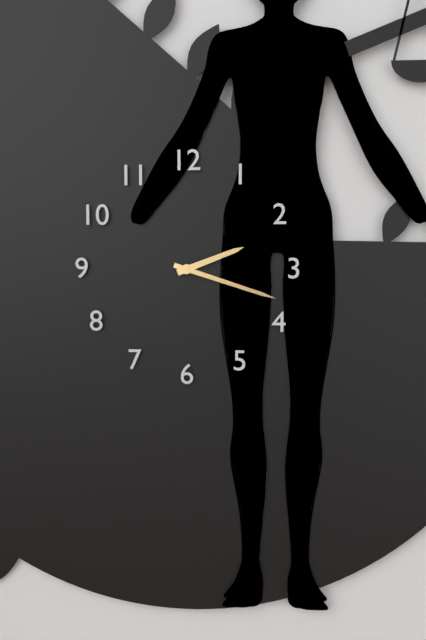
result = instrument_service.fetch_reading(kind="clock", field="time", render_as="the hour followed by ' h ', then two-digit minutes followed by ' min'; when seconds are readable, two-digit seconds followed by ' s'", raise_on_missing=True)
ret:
2 h 18 min
